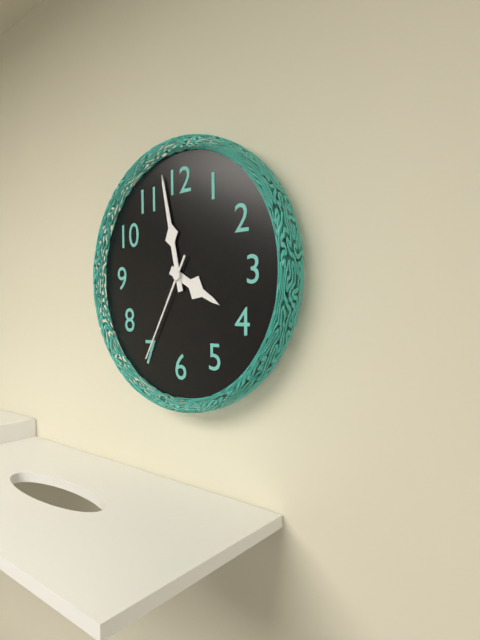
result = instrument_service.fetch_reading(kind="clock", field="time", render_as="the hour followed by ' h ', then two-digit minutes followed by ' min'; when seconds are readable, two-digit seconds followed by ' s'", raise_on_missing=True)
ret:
3 h 58 min 35 s
